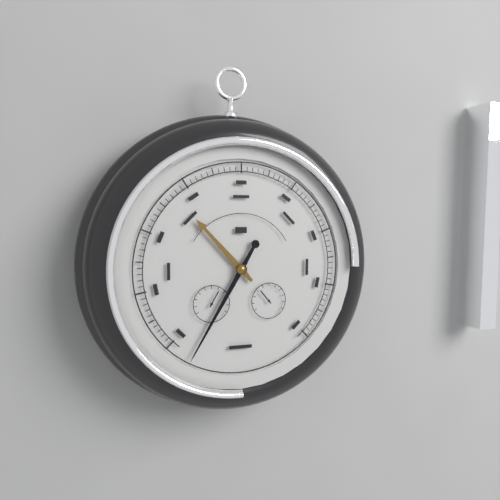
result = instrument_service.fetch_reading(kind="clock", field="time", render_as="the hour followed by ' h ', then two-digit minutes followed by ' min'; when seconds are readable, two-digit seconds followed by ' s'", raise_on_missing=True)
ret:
10 h 35 min
